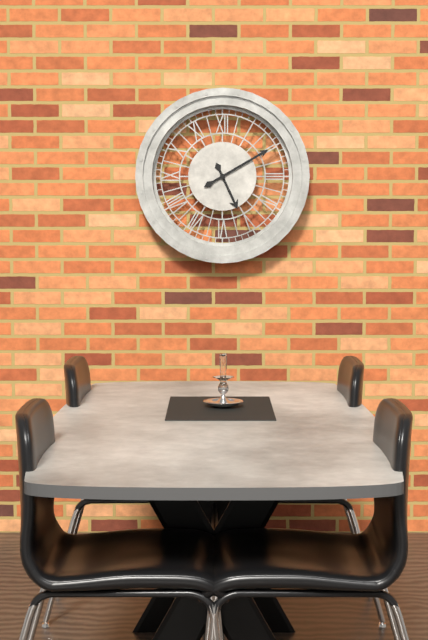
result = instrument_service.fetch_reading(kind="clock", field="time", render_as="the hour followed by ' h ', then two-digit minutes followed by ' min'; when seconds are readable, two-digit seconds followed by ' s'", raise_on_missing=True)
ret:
5 h 10 min
